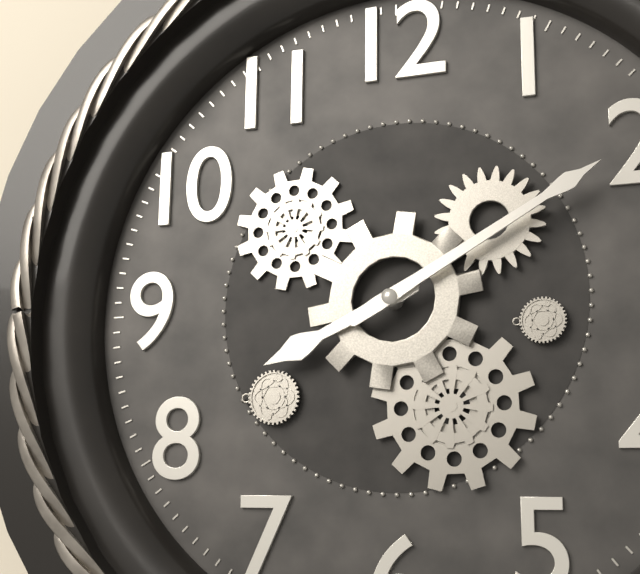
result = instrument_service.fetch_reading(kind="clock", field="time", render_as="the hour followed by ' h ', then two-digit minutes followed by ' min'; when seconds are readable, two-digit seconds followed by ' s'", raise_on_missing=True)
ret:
8 h 10 min
